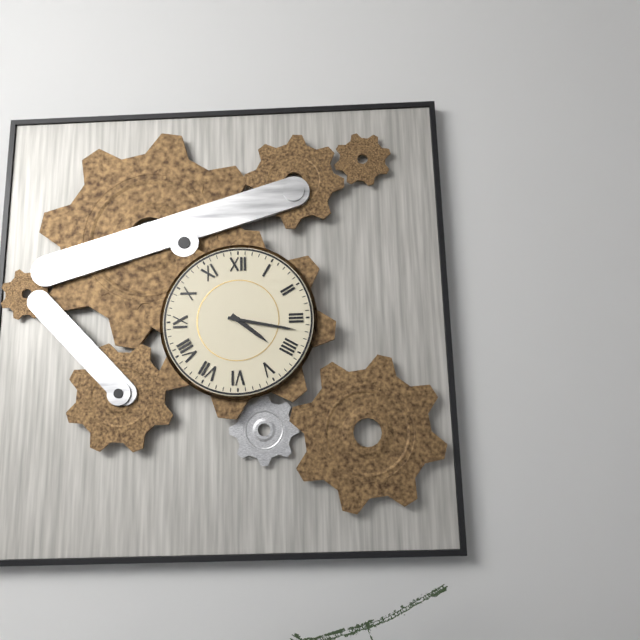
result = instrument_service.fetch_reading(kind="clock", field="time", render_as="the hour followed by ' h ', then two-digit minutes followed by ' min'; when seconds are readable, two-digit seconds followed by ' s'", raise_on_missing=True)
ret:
4 h 17 min
